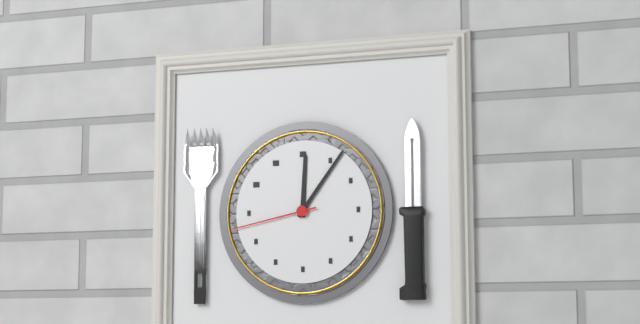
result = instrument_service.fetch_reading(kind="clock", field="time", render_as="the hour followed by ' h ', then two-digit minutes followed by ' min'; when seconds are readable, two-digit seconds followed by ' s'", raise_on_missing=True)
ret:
12 h 06 min 43 s
